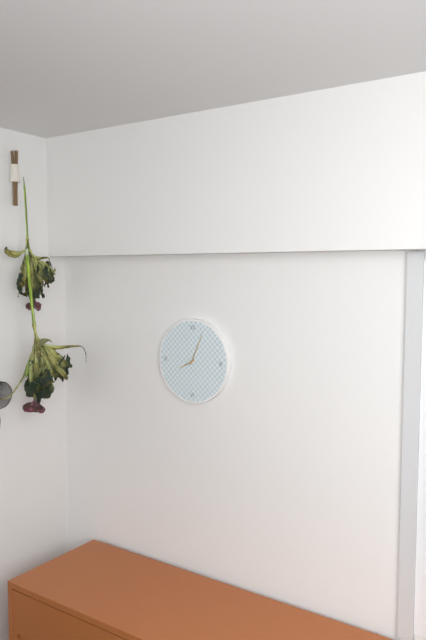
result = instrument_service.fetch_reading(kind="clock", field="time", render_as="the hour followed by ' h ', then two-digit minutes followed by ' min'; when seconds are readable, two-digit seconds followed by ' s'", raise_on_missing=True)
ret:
8 h 04 min
